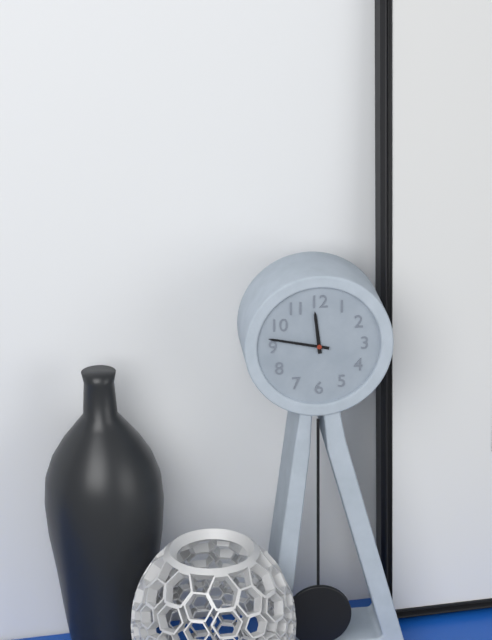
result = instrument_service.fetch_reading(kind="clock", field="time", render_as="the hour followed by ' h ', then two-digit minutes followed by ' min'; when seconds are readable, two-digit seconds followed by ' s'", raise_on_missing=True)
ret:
11 h 47 min
